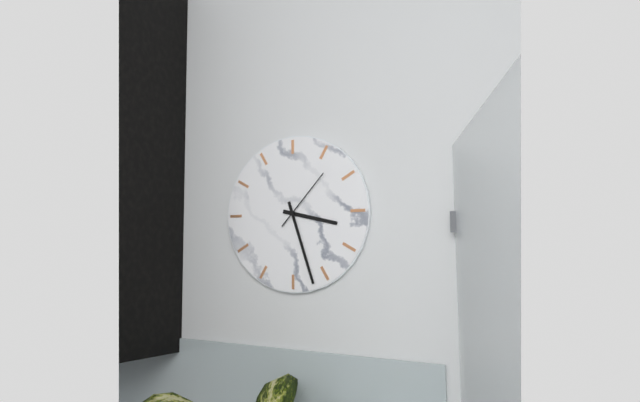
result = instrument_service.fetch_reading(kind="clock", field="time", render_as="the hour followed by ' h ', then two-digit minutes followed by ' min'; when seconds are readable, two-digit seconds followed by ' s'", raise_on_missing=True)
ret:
3 h 27 min 07 s
